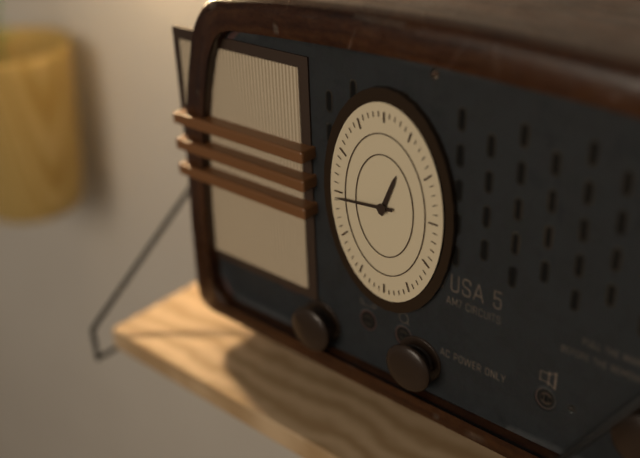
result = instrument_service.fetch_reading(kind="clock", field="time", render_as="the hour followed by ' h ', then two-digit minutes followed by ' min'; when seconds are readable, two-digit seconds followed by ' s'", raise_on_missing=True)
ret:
12 h 44 min
